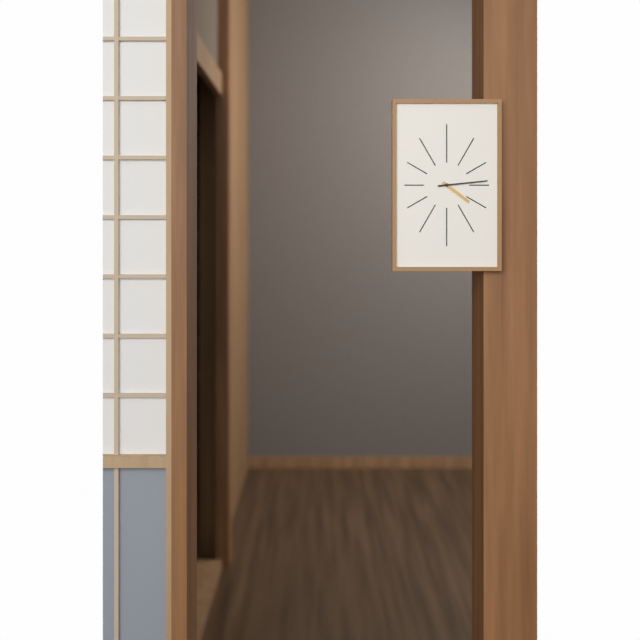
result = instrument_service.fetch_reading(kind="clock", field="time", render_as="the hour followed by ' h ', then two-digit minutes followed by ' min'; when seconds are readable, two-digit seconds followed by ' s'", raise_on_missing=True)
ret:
4 h 14 min
